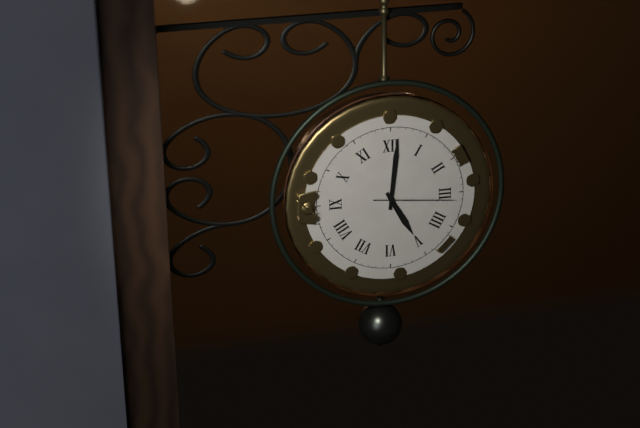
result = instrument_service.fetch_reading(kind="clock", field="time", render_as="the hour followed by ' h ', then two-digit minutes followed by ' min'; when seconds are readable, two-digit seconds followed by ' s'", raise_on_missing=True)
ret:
5 h 01 min 16 s
